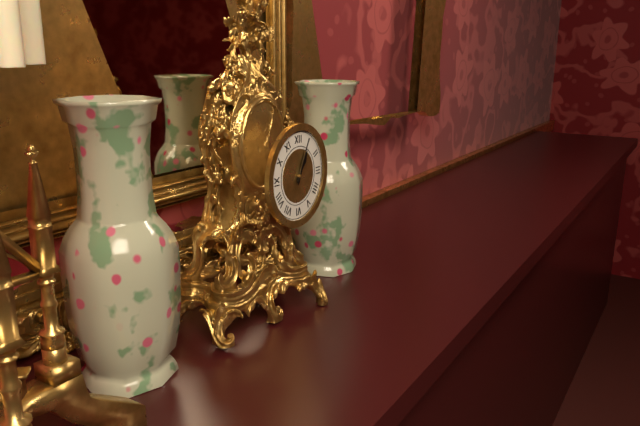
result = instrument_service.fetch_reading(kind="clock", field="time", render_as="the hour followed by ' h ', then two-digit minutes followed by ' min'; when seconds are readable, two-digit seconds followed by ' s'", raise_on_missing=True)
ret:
1 h 04 min
